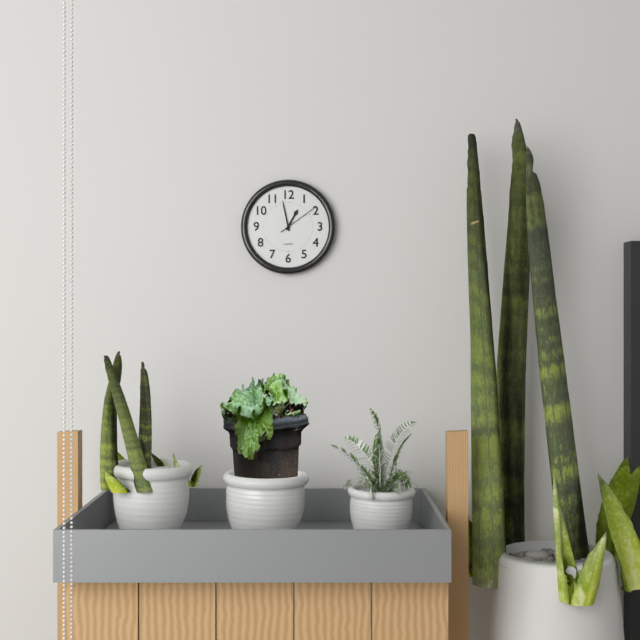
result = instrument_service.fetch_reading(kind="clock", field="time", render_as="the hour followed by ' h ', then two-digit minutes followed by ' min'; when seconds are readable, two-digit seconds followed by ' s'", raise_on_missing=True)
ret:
12 h 58 min
